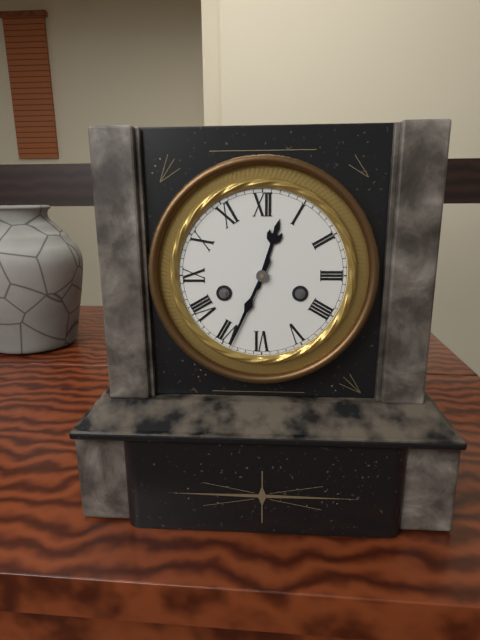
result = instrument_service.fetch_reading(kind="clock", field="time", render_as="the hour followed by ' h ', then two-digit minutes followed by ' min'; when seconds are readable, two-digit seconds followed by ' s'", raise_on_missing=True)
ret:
12 h 34 min
